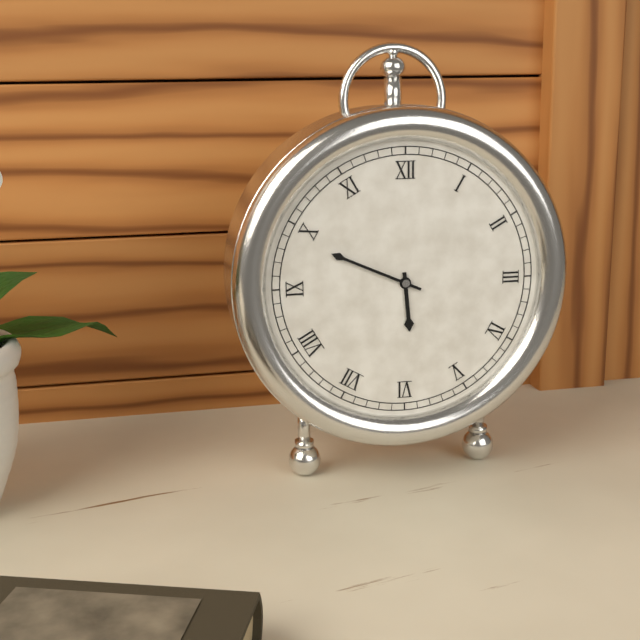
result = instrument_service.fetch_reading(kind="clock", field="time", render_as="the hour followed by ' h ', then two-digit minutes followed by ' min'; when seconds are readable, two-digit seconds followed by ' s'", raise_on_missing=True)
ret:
5 h 49 min
